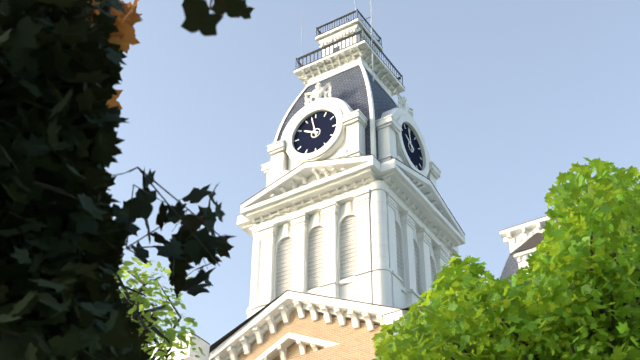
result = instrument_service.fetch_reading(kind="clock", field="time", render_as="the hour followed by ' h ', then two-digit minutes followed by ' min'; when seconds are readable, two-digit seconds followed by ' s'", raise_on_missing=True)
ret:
9 h 58 min
